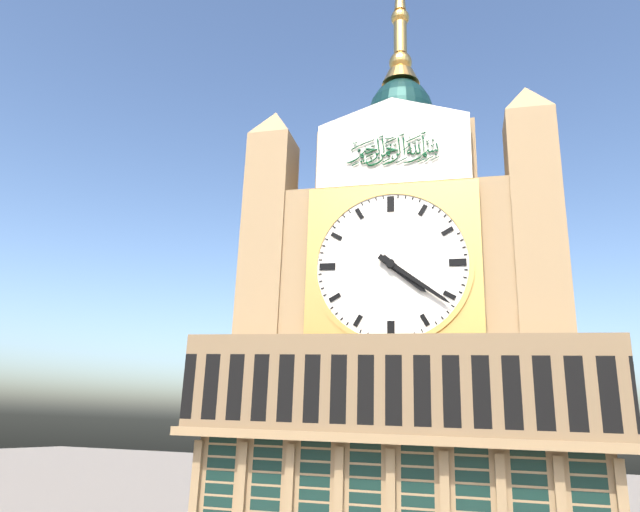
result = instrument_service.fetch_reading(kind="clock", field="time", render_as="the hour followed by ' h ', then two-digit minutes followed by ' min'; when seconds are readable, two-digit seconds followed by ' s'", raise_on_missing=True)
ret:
4 h 21 min
